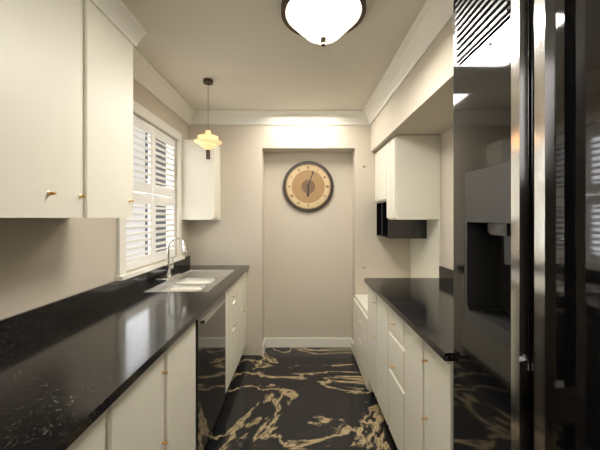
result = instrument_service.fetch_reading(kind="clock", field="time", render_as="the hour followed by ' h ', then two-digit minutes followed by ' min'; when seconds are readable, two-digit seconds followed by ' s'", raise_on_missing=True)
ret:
6 h 03 min
